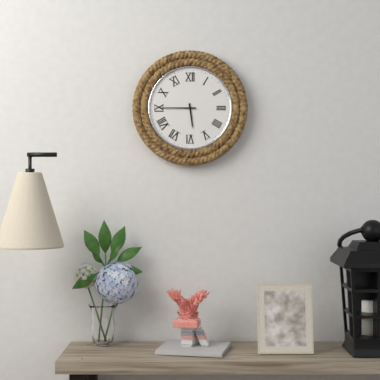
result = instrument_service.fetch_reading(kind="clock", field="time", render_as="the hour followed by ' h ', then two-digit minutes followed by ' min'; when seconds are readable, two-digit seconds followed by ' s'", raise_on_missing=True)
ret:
5 h 45 min
